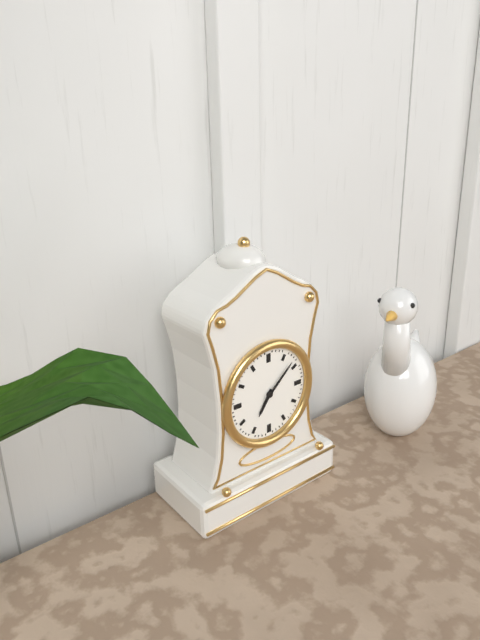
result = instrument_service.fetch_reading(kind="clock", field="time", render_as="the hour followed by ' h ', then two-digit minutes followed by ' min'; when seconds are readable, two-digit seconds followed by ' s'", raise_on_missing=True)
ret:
7 h 08 min
